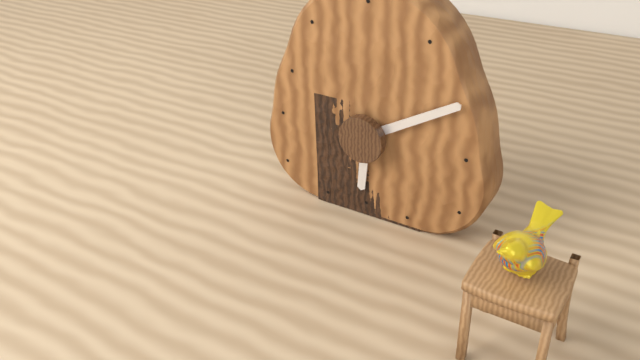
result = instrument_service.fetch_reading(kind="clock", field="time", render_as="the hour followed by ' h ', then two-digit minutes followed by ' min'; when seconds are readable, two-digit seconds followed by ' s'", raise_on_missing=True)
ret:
6 h 10 min
